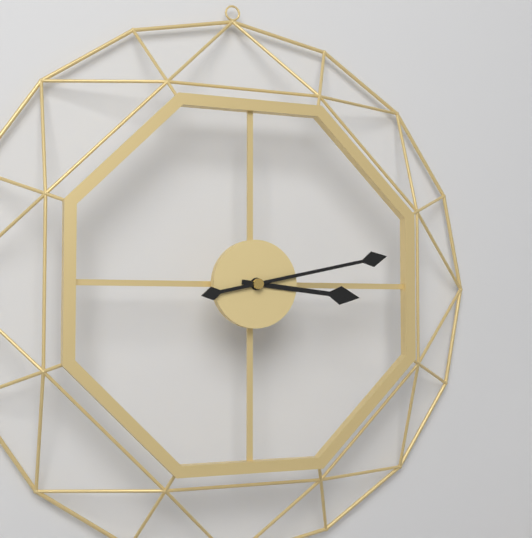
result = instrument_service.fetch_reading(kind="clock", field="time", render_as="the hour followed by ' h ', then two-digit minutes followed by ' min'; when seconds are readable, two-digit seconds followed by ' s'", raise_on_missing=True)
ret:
3 h 13 min
